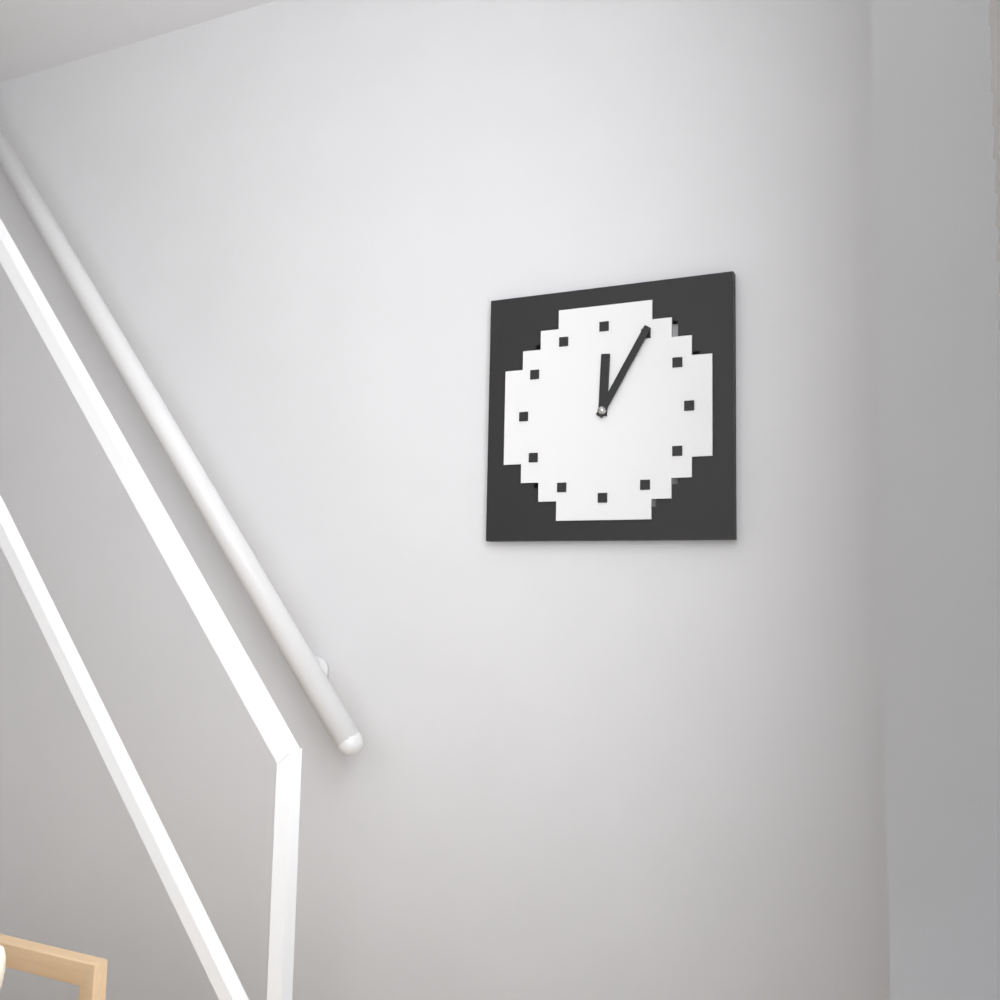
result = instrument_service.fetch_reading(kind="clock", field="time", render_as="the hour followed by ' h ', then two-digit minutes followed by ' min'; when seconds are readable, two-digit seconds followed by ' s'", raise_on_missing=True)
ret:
12 h 05 min
